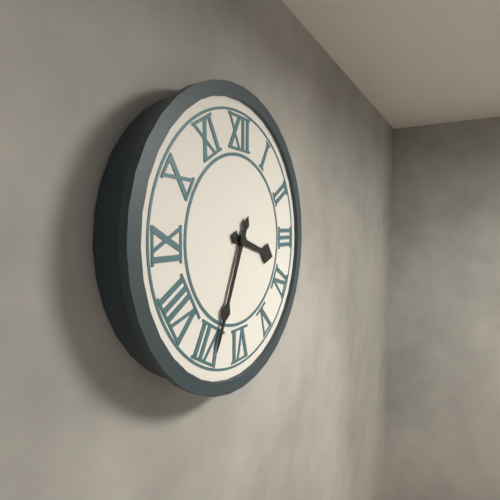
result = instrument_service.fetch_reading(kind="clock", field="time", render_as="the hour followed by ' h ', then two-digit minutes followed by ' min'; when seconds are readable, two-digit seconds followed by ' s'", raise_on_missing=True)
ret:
3 h 34 min
